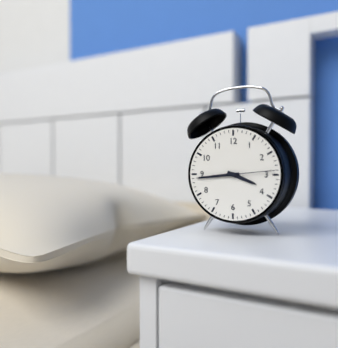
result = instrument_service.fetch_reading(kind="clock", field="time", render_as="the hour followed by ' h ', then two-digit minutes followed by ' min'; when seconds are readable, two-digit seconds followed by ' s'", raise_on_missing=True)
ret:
3 h 44 min
